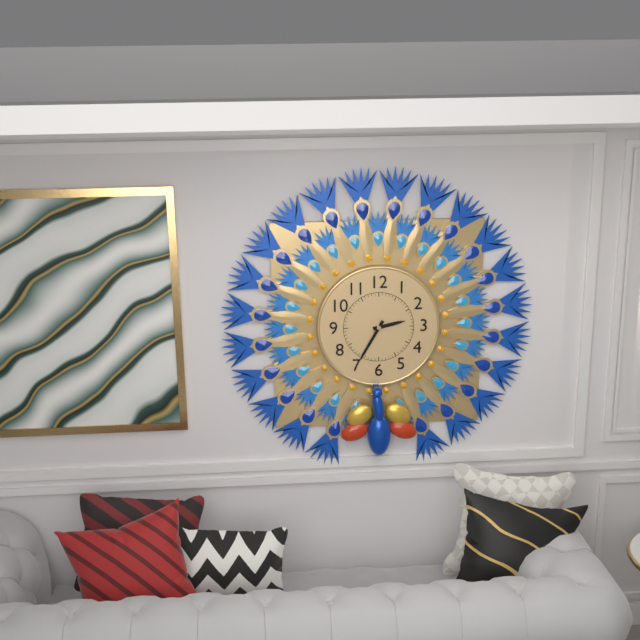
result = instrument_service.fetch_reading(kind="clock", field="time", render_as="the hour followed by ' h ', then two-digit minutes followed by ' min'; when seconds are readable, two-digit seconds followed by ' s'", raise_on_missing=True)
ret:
2 h 35 min
